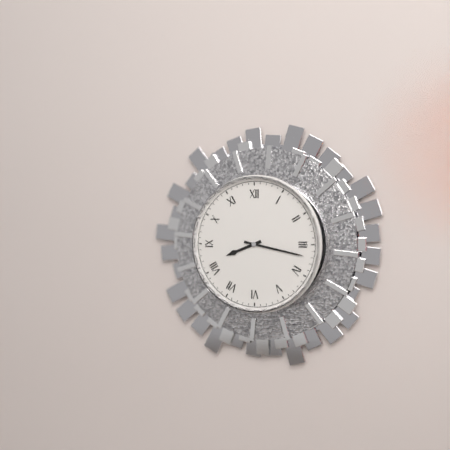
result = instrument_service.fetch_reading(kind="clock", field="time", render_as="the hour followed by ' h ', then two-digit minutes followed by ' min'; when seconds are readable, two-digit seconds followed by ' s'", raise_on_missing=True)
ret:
8 h 17 min
